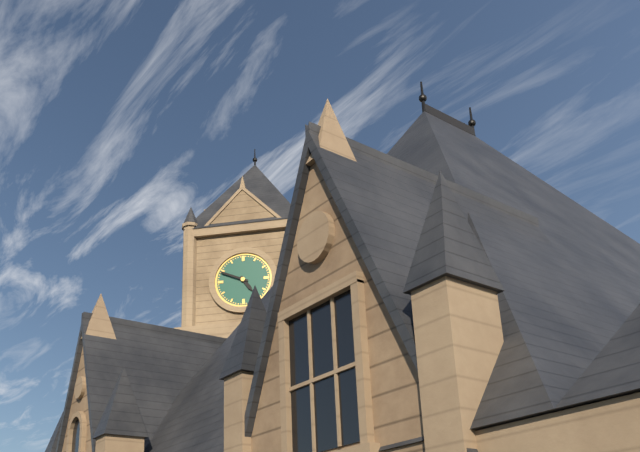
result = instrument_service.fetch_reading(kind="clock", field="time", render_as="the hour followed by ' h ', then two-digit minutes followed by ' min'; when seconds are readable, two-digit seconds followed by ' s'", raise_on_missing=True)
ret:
4 h 49 min
